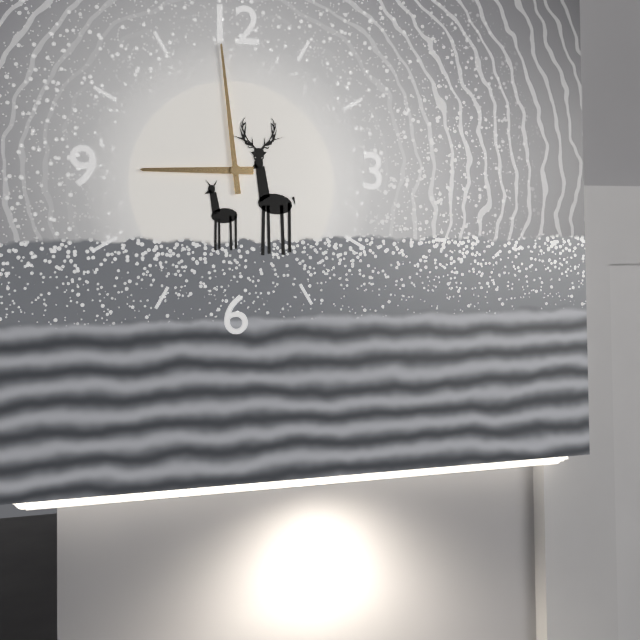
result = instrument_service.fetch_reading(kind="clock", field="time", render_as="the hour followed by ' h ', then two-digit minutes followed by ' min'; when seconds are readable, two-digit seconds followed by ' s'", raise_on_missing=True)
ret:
8 h 59 min
